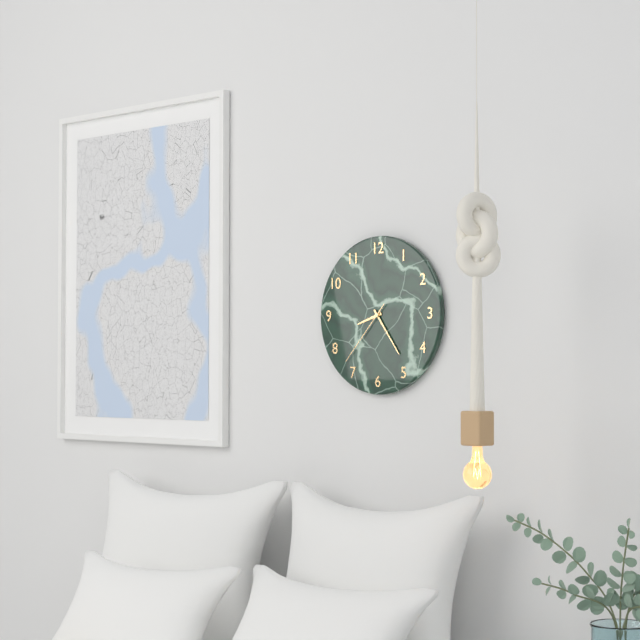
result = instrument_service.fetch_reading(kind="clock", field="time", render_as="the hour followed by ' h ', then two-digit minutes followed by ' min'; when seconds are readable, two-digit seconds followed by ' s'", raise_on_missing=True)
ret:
8 h 24 min 37 s
